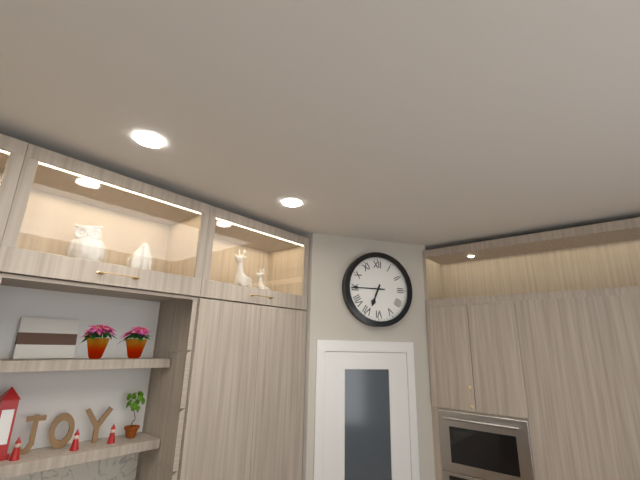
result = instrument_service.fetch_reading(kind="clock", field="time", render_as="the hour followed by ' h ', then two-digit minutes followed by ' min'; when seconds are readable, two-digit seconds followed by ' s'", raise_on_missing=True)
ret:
6 h 45 min
